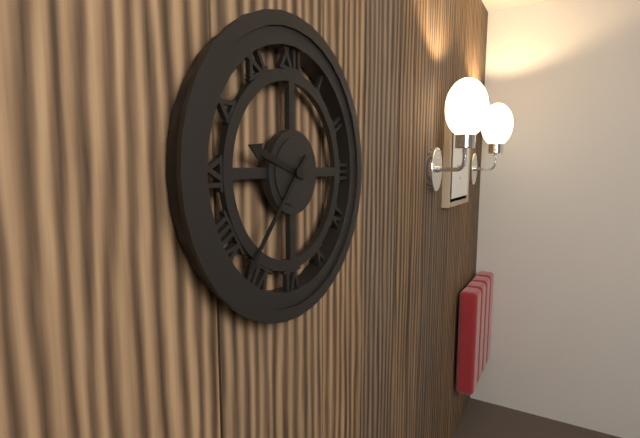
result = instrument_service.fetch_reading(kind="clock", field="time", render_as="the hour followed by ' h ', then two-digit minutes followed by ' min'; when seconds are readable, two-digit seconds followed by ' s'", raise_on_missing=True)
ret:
9 h 37 min
